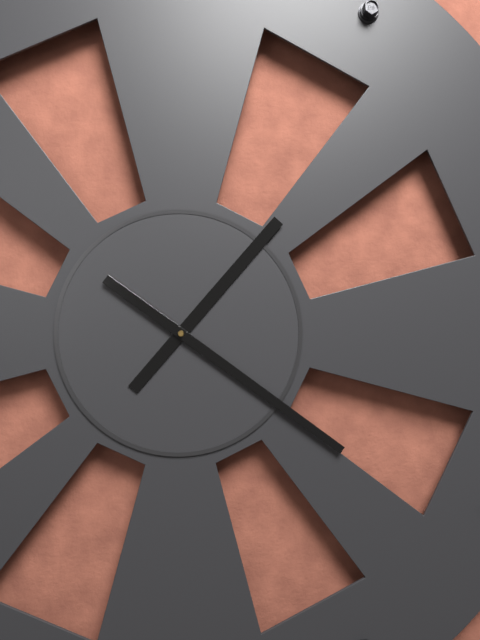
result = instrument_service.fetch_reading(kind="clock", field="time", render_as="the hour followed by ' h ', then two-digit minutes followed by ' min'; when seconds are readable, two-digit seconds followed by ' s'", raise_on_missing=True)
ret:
1 h 21 min
